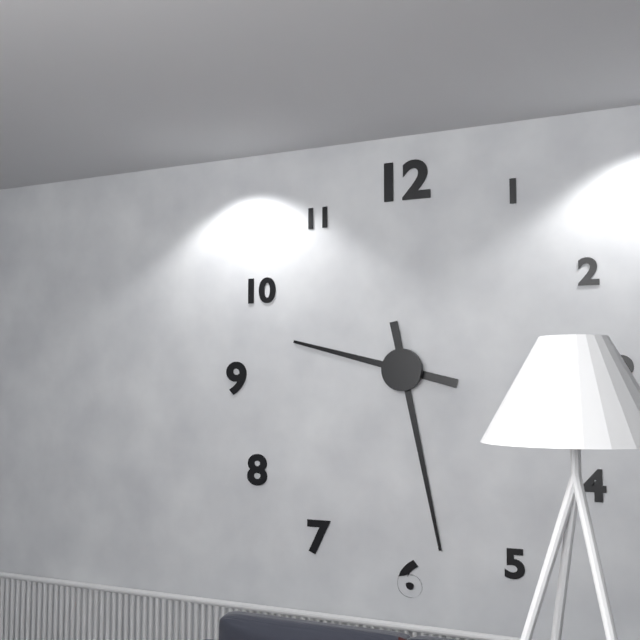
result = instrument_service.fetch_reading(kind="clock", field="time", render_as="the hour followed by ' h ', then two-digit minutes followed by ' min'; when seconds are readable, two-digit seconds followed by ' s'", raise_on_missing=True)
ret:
9 h 28 min
